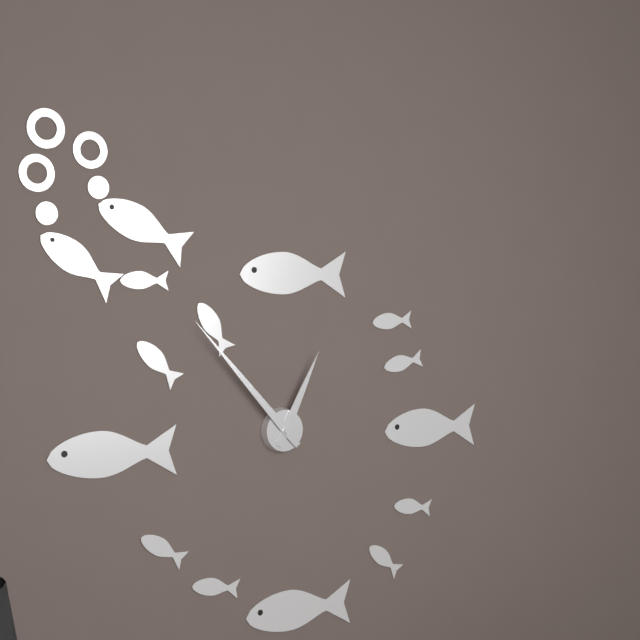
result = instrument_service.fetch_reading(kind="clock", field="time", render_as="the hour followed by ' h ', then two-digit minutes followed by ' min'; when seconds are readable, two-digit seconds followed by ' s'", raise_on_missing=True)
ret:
12 h 53 min
